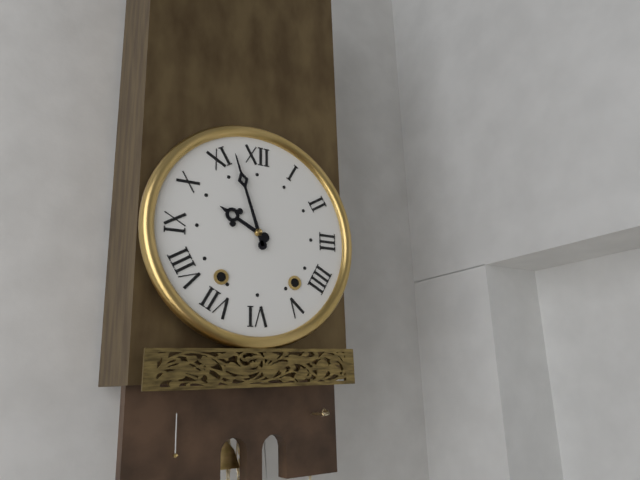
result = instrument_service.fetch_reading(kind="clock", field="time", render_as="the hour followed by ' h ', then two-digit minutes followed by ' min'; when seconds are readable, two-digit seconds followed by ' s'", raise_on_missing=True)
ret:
9 h 57 min
